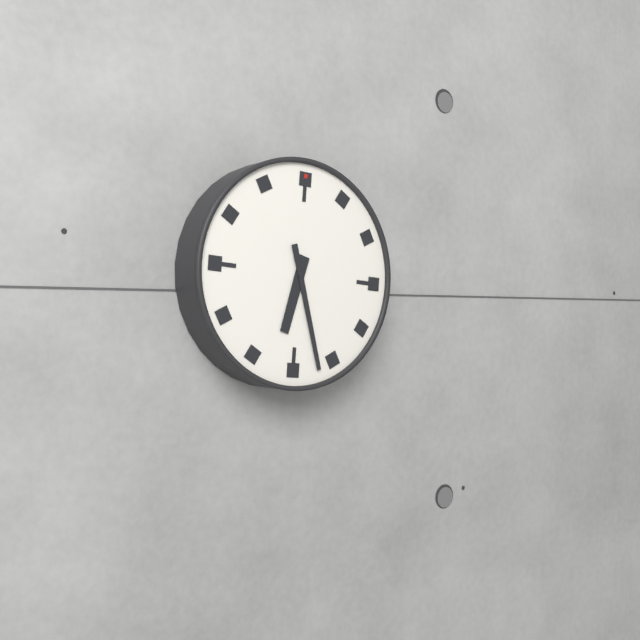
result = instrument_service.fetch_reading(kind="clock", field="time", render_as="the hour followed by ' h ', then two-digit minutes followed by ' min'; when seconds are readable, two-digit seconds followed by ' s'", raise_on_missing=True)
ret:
6 h 27 min
